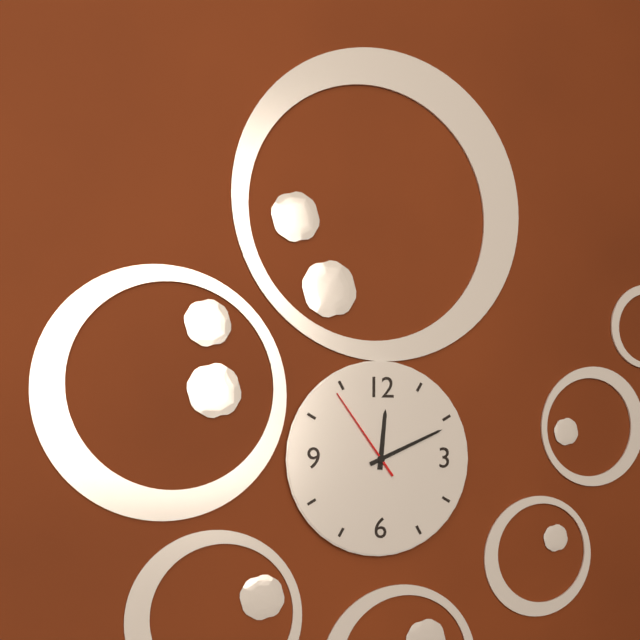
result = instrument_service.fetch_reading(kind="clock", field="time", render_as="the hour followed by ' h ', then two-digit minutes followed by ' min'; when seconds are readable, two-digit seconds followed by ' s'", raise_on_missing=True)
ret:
12 h 11 min 54 s
